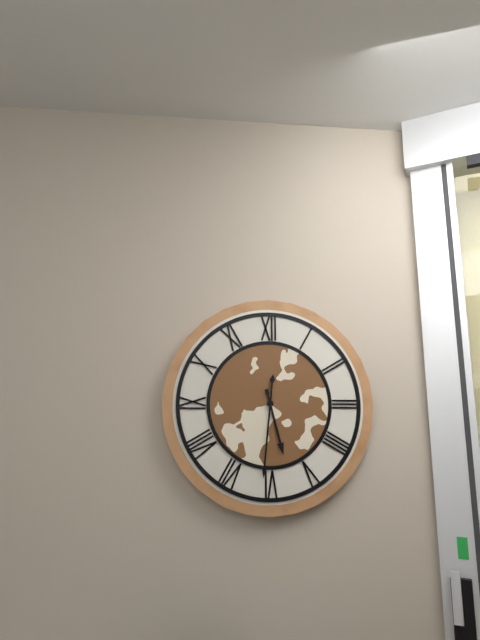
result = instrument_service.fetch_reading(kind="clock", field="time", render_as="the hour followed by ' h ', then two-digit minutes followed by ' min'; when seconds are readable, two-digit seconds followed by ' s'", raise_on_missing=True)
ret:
5 h 31 min
